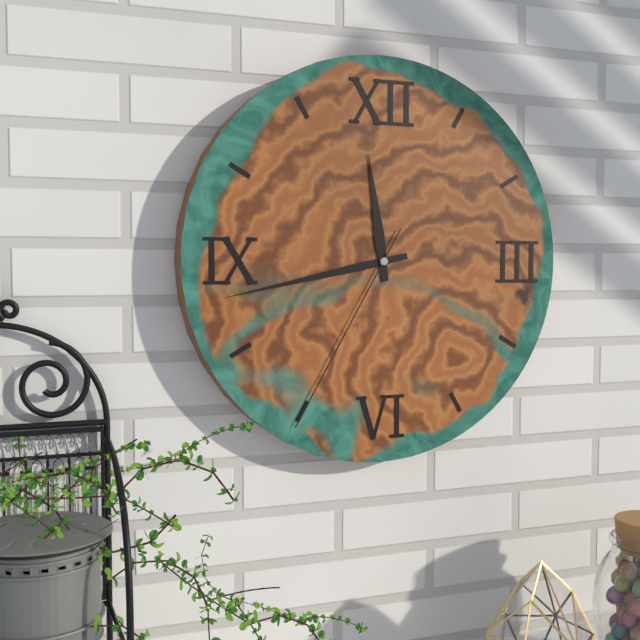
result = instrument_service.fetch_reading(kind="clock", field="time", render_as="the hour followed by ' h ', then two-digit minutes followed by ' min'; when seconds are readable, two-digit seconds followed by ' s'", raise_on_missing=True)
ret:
11 h 43 min 35 s
